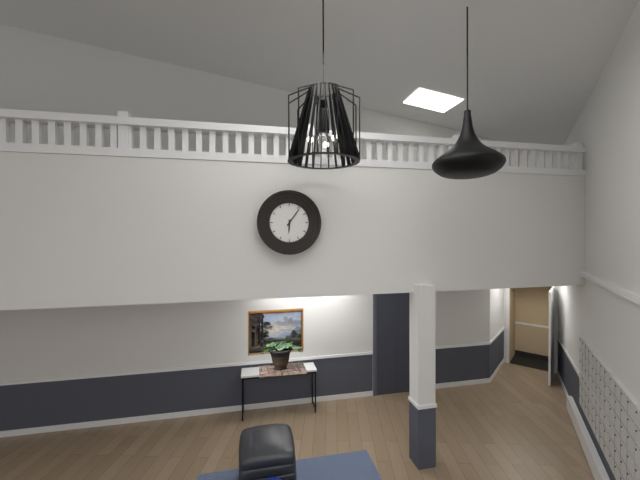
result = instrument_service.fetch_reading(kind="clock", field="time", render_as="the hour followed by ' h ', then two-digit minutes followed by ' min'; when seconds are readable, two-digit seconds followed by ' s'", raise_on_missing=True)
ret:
6 h 06 min
